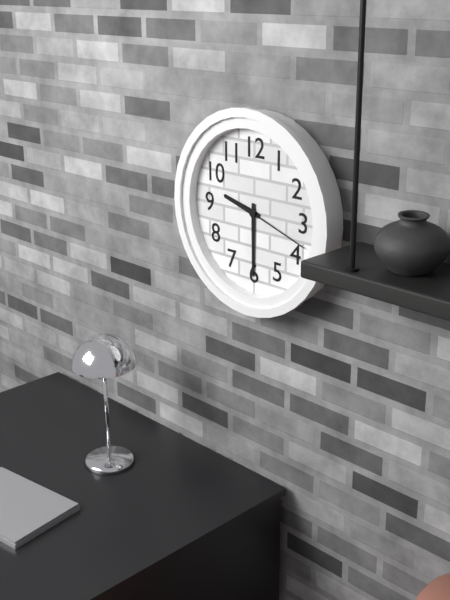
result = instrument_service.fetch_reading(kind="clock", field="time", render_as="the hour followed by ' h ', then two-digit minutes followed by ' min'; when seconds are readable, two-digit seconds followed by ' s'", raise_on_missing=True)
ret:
9 h 30 min 18 s
